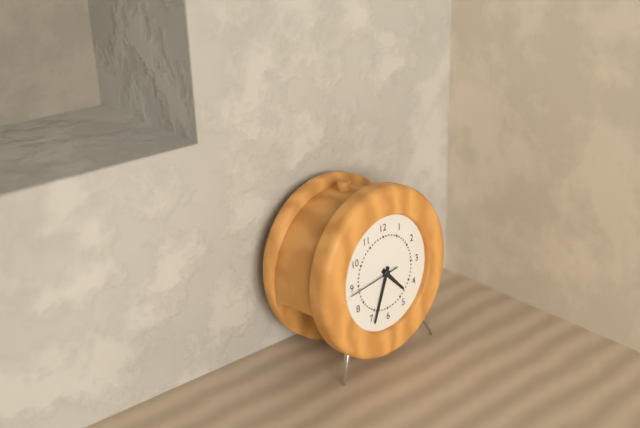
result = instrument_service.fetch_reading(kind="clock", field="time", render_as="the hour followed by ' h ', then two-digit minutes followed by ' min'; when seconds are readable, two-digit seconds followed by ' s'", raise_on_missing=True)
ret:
4 h 34 min 44 s
